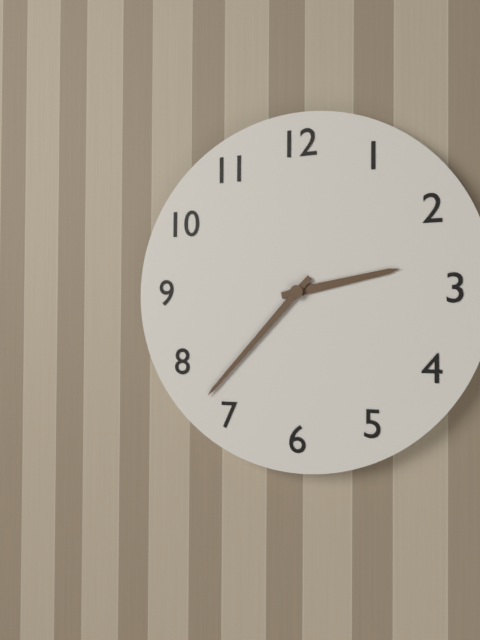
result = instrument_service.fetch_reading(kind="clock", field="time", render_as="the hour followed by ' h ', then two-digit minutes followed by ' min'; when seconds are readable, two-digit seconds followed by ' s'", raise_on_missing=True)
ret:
2 h 37 min
